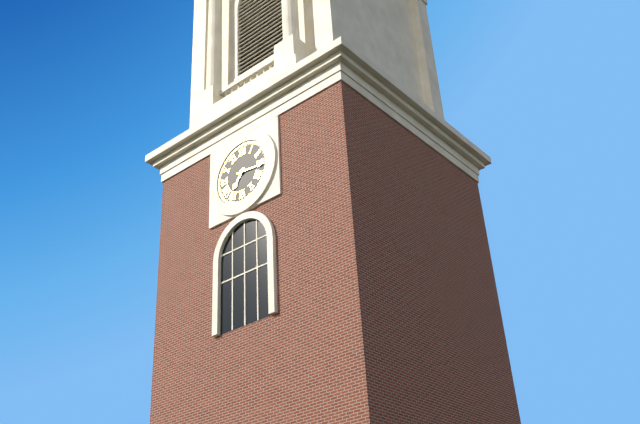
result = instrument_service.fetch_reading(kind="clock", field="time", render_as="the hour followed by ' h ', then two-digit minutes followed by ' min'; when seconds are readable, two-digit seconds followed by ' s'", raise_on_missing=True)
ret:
7 h 16 min
